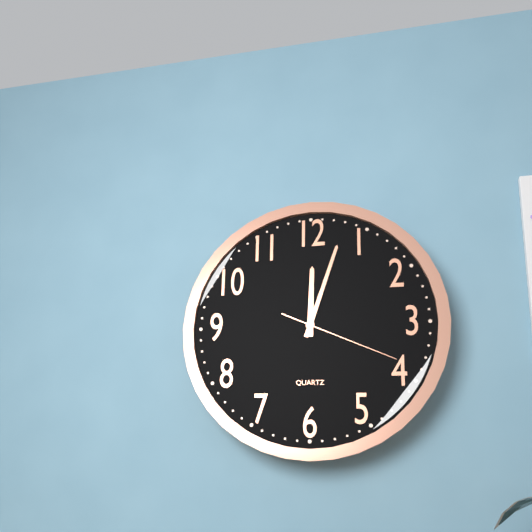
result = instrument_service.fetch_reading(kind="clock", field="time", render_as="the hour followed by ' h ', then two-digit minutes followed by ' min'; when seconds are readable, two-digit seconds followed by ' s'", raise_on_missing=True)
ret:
12 h 03 min 19 s
